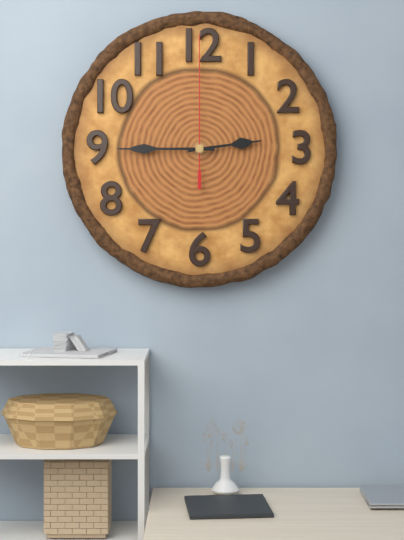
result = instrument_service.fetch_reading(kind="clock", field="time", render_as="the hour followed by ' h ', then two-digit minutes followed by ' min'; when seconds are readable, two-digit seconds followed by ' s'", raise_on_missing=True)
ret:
2 h 45 min 00 s
